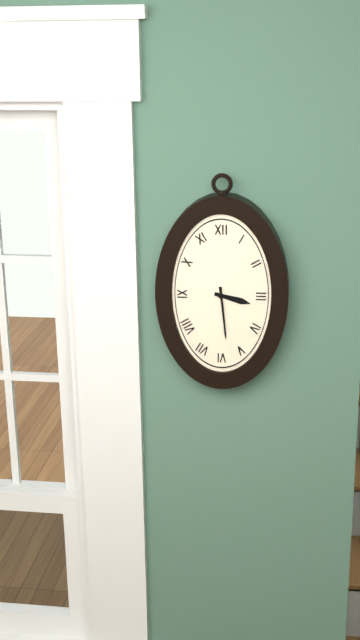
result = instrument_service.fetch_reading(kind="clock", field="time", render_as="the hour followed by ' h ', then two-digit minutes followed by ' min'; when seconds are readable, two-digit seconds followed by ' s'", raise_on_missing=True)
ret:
3 h 29 min
